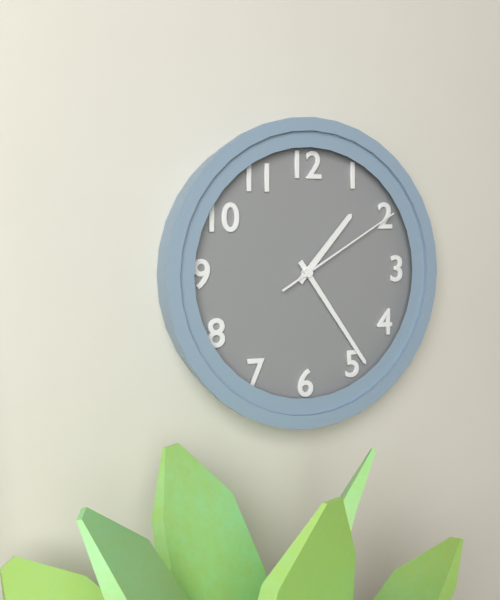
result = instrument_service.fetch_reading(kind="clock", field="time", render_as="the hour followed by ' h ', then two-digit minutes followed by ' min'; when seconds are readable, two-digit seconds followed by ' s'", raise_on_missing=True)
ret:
1 h 24 min 10 s
